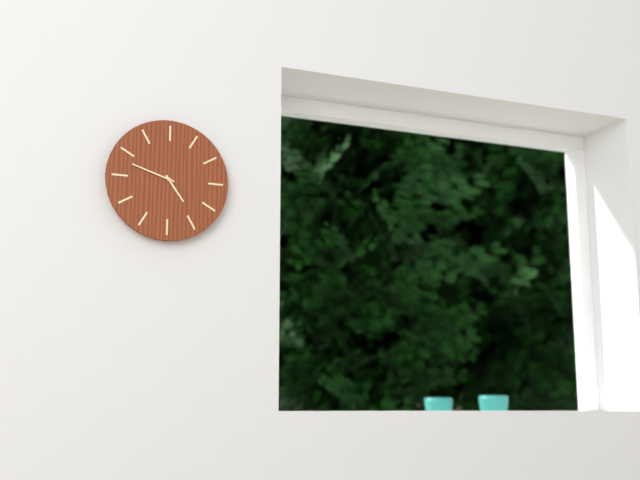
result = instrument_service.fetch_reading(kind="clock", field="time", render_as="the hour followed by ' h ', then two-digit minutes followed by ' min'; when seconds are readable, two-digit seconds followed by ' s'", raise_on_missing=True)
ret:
4 h 48 min
